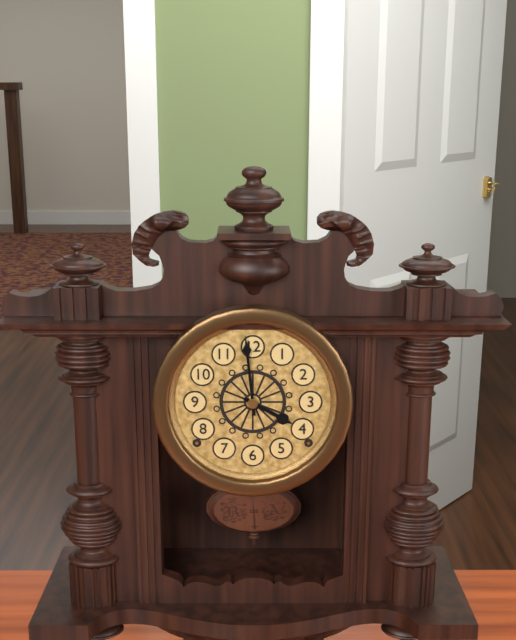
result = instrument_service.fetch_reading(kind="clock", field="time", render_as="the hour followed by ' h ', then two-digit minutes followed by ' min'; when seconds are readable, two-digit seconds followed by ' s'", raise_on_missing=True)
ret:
3 h 59 min
